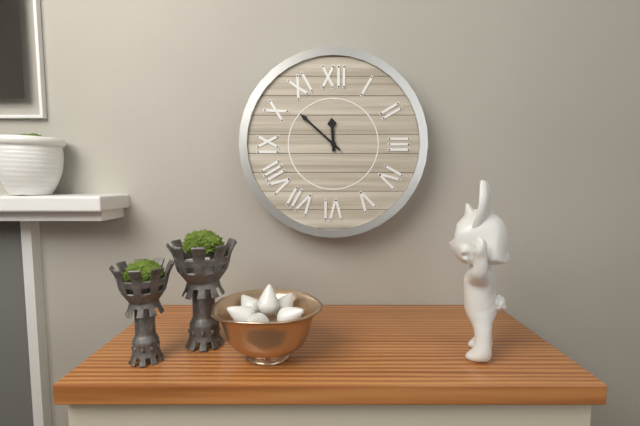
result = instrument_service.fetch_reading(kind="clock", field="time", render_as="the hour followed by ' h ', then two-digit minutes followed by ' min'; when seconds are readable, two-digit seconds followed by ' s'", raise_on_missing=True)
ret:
11 h 52 min
